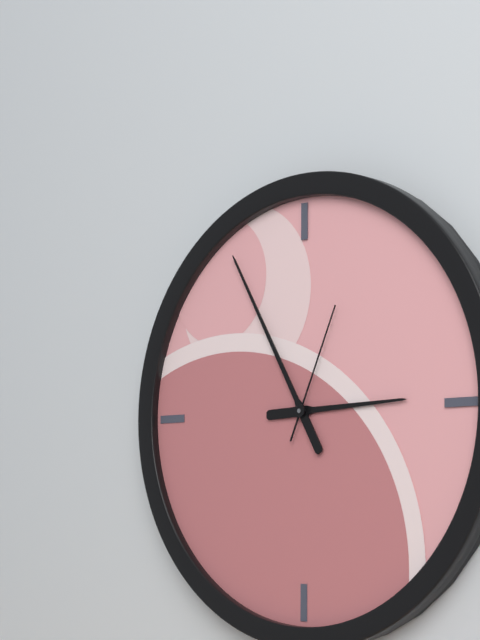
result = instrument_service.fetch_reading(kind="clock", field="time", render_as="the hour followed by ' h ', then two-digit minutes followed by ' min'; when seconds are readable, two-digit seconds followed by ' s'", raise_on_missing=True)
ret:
2 h 55 min 04 s
